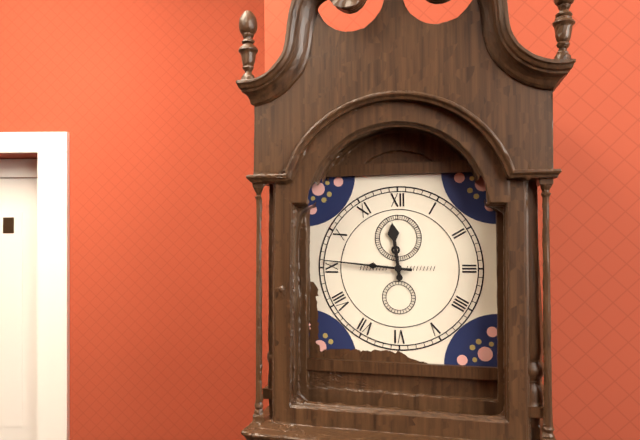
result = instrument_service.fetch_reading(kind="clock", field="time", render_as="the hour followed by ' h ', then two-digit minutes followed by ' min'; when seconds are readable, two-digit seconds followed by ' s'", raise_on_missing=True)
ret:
11 h 46 min
